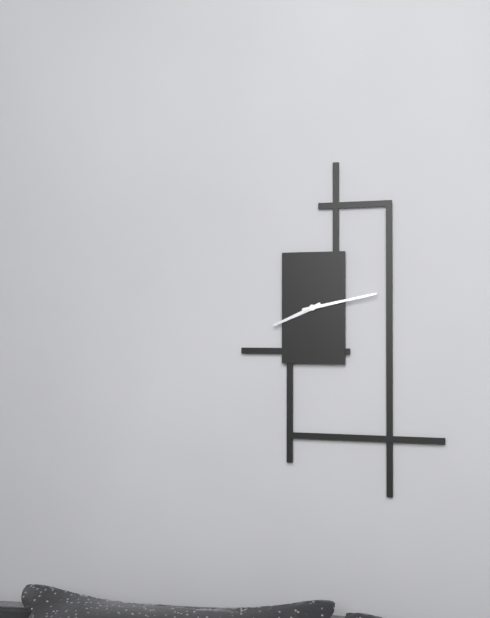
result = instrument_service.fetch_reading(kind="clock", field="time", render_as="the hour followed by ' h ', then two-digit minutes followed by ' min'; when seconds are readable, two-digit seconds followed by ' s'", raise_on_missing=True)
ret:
8 h 13 min
